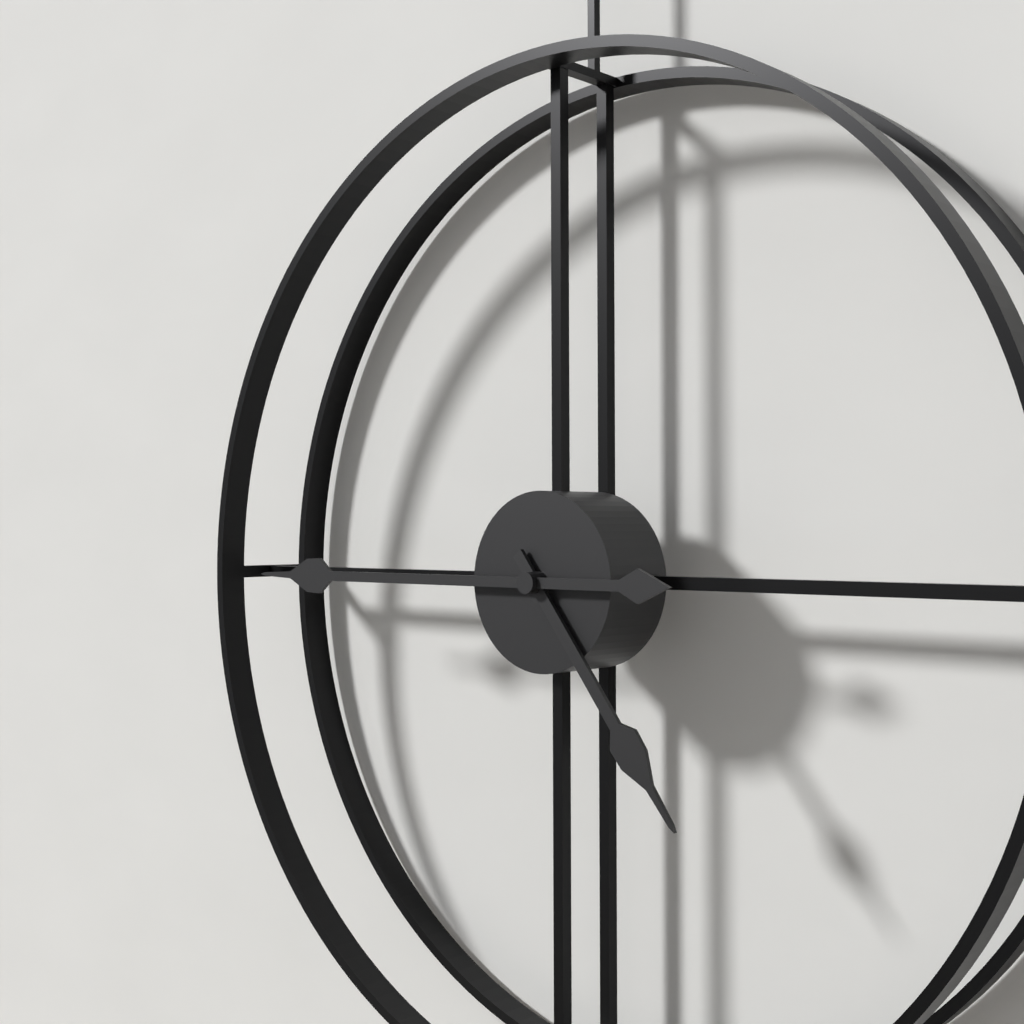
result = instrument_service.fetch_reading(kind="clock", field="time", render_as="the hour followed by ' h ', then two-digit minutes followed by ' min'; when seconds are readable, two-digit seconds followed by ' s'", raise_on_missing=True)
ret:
4 h 45 min
